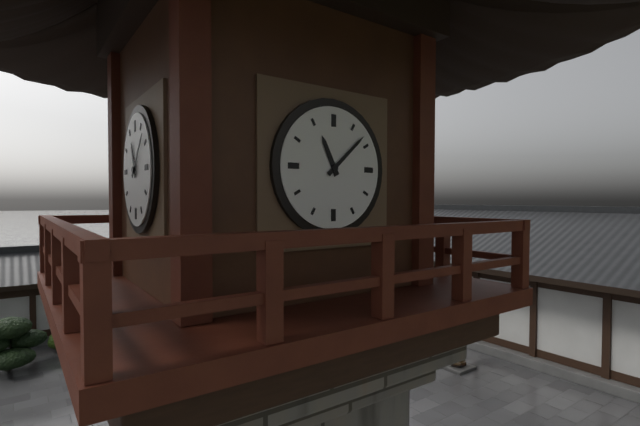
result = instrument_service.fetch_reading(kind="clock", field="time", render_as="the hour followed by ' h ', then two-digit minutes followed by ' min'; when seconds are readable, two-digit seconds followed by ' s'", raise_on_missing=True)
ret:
11 h 08 min
